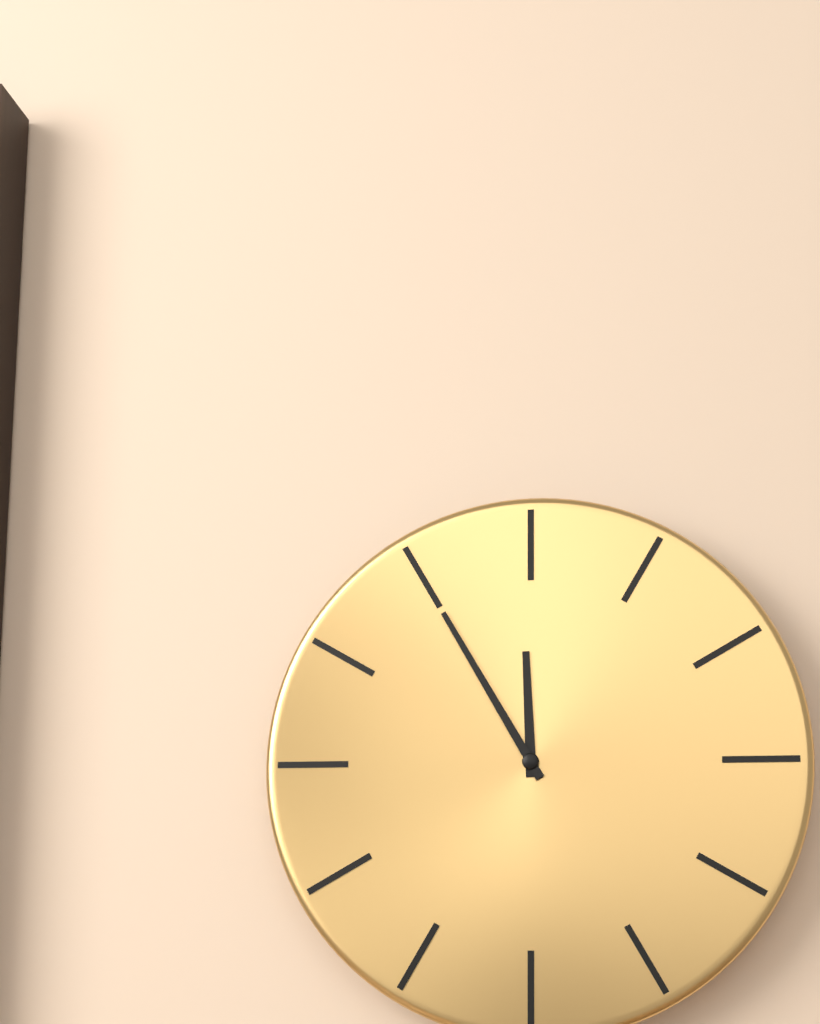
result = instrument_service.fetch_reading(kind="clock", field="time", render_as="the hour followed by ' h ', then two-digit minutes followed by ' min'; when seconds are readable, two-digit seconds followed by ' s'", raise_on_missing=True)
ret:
11 h 55 min
